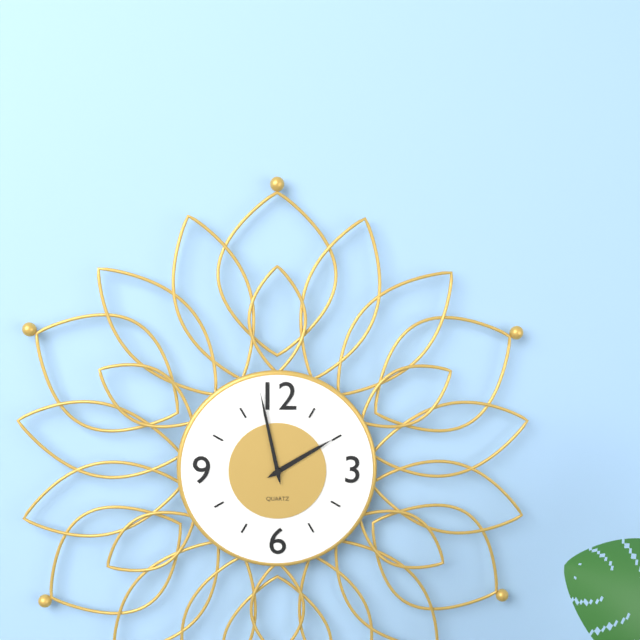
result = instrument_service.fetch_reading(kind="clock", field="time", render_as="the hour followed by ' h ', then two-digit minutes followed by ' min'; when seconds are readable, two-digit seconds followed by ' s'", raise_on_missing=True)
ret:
1 h 58 min
